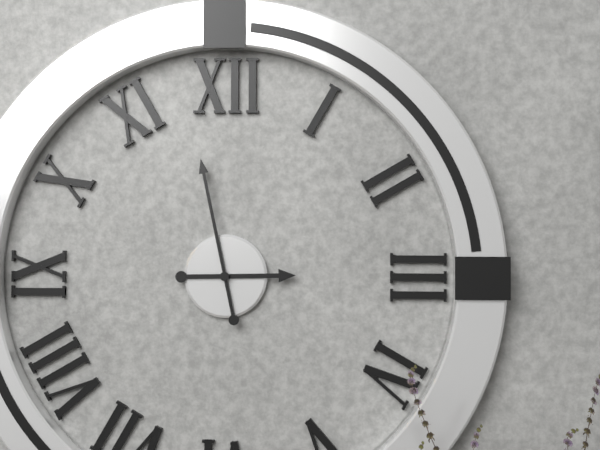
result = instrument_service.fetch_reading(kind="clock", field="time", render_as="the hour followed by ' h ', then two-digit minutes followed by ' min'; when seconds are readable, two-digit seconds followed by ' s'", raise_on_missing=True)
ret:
2 h 58 min
